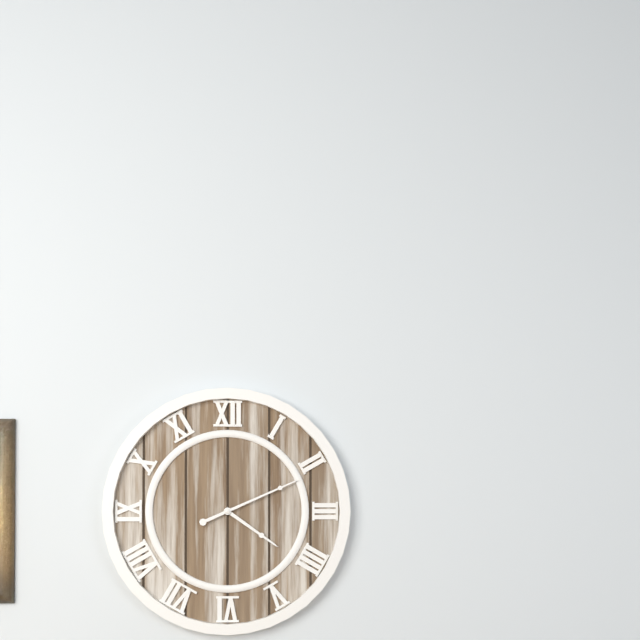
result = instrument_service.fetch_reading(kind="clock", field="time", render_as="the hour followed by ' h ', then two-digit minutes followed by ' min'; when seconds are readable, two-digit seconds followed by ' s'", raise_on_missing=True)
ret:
4 h 11 min
